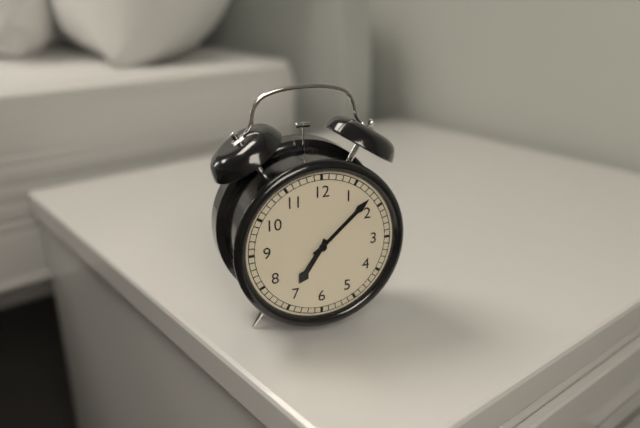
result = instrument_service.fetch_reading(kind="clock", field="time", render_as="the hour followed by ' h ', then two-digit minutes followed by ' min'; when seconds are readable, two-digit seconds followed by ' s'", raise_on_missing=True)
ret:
7 h 08 min
